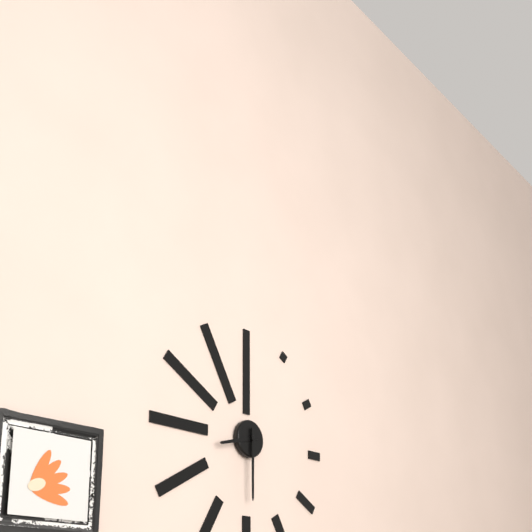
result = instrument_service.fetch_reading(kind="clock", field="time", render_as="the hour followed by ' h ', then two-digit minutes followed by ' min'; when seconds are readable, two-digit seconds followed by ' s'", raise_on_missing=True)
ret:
8 h 30 min
